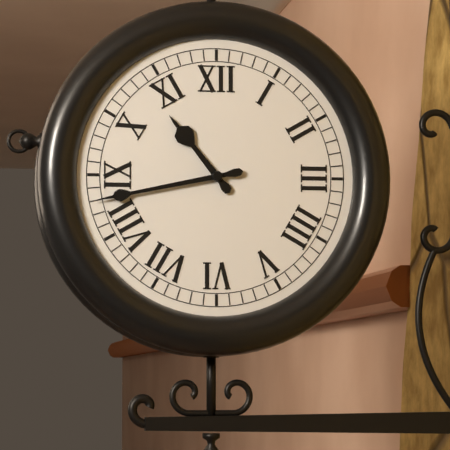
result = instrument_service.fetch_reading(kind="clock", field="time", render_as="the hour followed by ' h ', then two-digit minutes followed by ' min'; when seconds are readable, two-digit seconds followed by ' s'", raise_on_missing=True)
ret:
10 h 43 min
